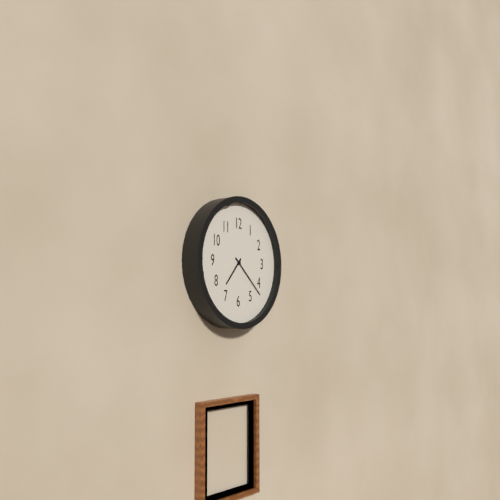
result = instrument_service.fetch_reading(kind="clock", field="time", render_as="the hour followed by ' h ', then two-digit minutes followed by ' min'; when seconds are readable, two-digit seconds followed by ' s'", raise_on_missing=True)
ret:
7 h 22 min
